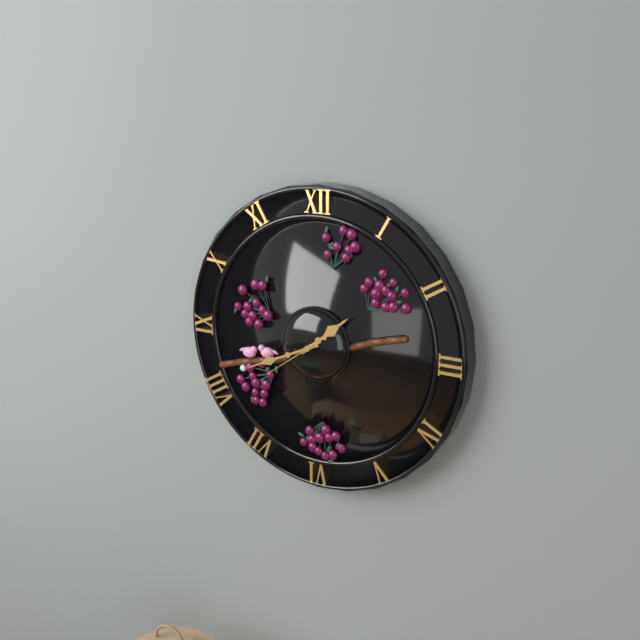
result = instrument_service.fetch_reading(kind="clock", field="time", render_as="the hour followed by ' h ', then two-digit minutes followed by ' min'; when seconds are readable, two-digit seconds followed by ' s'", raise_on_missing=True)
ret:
1 h 41 min 39 s
